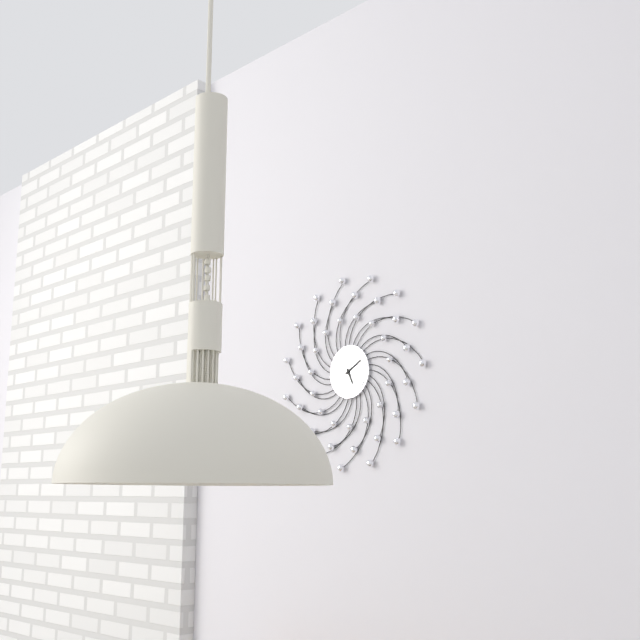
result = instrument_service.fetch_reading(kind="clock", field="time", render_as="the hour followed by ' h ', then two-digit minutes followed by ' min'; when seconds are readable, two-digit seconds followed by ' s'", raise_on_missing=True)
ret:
5 h 10 min
